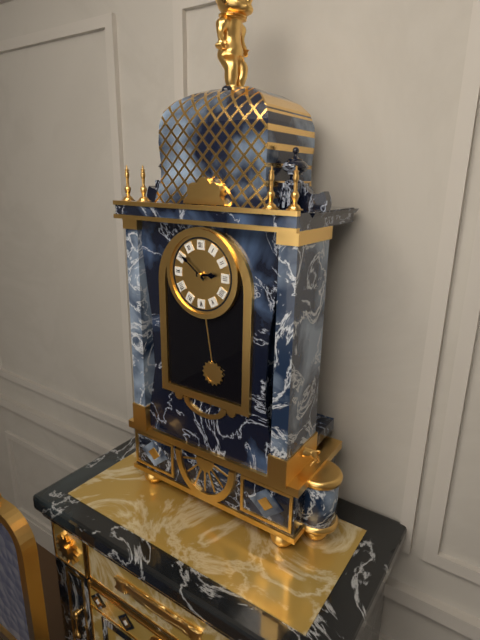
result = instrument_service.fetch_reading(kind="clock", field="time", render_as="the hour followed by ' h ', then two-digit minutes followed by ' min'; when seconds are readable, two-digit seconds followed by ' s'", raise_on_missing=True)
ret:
2 h 51 min
